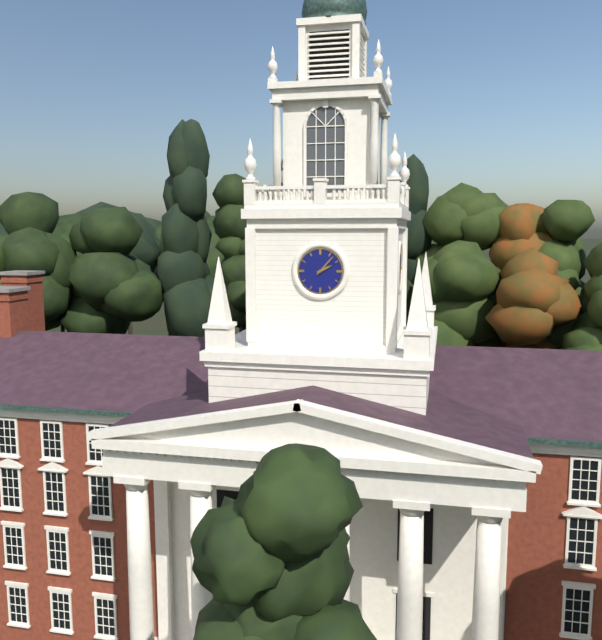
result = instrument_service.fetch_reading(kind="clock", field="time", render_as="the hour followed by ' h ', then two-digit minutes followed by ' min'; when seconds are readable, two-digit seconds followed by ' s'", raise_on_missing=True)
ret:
2 h 07 min
